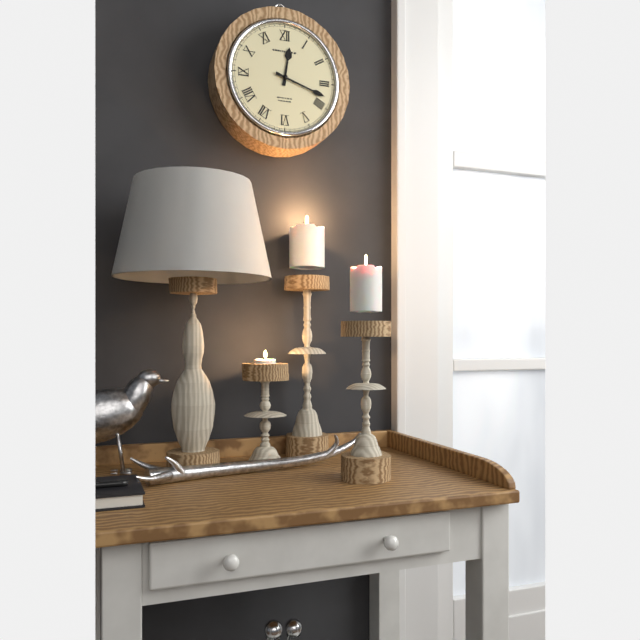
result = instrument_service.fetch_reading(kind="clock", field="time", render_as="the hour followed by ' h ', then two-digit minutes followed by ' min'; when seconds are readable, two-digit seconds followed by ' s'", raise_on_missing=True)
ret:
12 h 18 min
